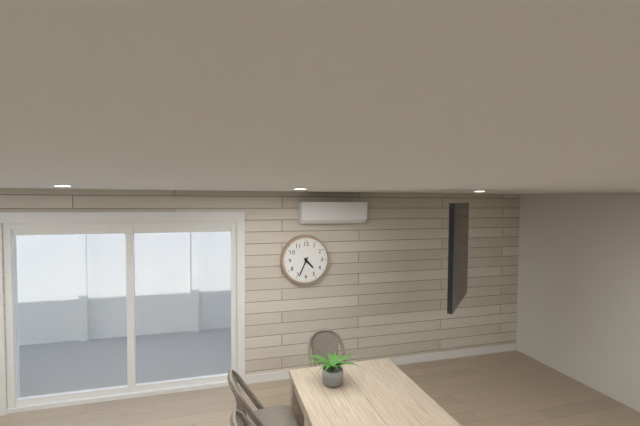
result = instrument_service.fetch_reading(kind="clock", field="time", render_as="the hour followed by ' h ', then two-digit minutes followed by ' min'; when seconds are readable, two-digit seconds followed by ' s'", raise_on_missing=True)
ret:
4 h 34 min
